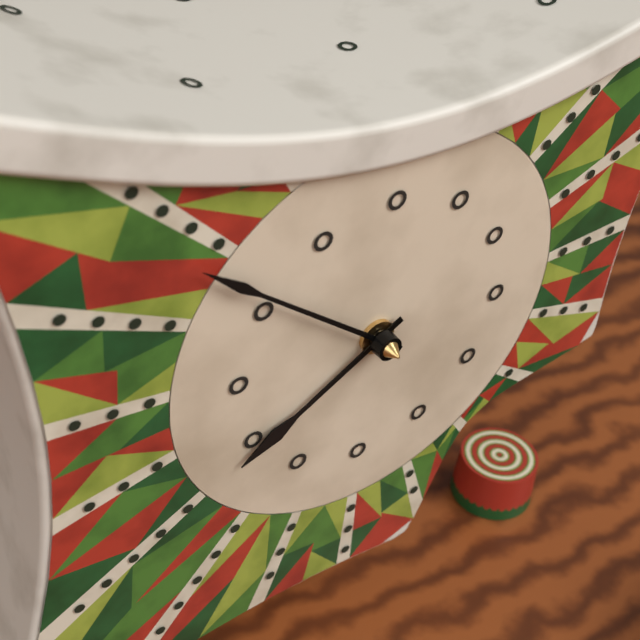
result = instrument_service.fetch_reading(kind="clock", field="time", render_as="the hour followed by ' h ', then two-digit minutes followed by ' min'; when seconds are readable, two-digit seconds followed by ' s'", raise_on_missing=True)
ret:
7 h 51 min
